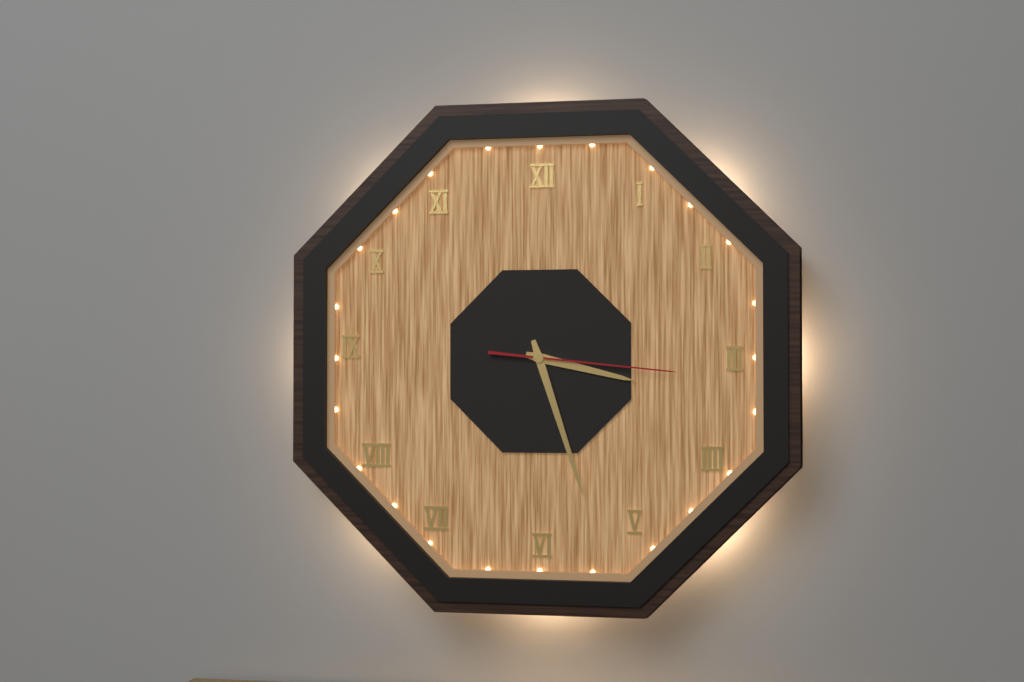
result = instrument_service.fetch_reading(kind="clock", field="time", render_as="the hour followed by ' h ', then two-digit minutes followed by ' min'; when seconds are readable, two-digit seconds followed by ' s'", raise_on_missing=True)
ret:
3 h 27 min 16 s
